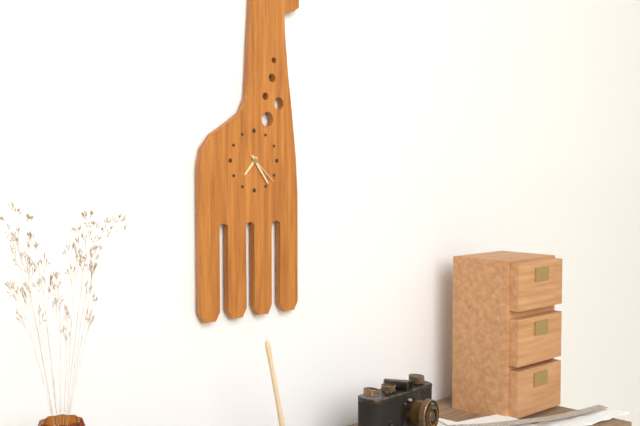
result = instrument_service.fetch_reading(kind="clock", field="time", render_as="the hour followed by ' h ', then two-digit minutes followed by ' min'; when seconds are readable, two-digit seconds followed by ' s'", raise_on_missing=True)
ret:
7 h 24 min
